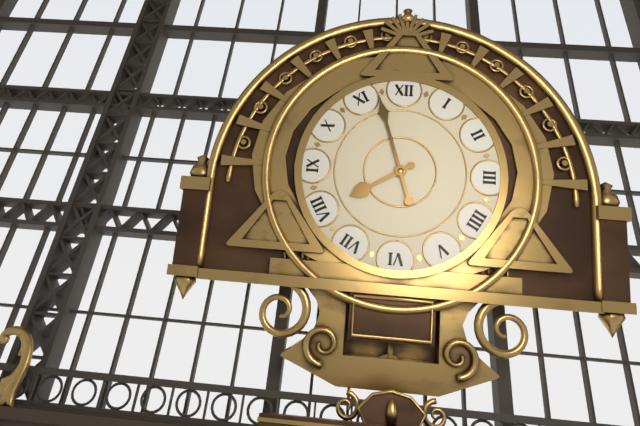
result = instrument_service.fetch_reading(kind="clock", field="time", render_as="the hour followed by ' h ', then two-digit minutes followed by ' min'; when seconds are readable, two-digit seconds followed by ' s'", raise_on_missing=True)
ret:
7 h 57 min
